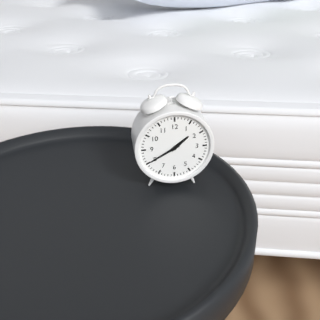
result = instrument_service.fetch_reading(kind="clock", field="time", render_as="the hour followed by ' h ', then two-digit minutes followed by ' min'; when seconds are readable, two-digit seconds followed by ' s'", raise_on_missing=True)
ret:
1 h 40 min
